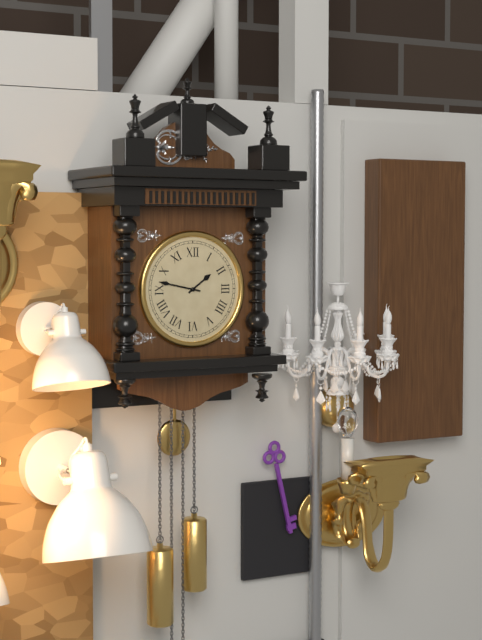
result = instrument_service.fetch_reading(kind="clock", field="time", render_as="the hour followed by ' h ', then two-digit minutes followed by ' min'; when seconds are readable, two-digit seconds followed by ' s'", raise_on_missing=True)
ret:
1 h 47 min
